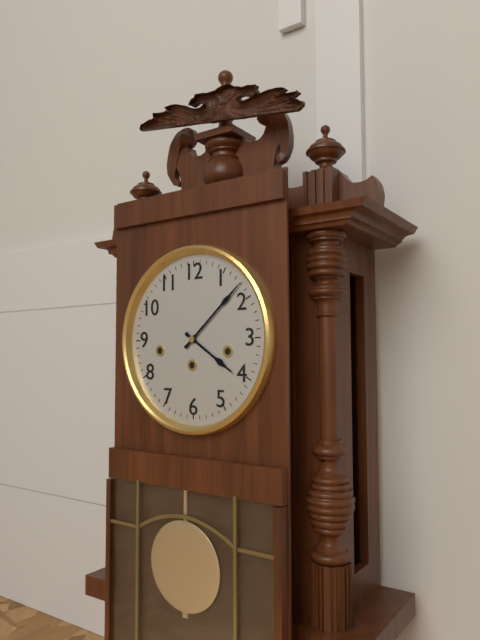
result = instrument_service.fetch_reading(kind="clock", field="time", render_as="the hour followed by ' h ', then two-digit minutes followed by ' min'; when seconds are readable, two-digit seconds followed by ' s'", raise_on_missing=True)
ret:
4 h 08 min
